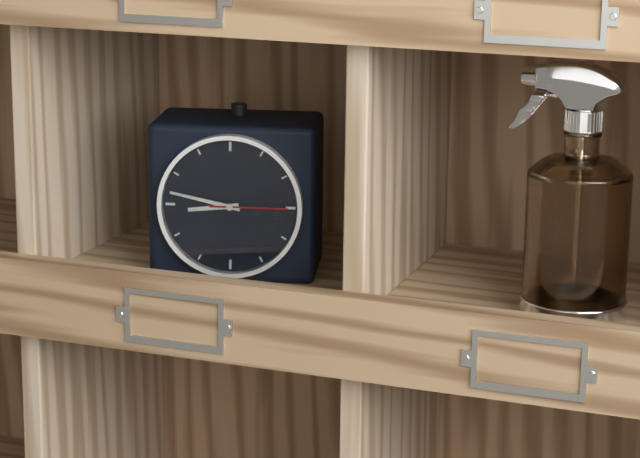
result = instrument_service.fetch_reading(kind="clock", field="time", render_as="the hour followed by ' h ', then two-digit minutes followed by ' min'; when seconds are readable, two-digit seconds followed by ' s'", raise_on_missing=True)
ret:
8 h 47 min 15 s
